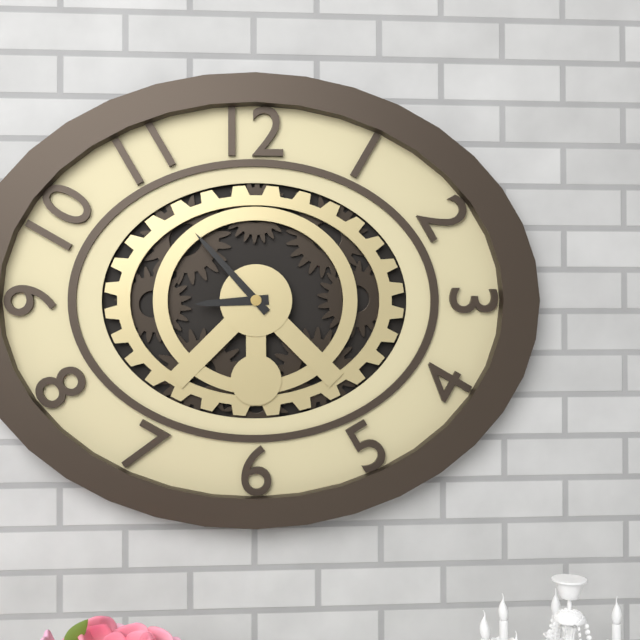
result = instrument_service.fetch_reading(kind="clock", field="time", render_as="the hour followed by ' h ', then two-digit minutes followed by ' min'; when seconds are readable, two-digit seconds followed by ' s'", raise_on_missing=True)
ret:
8 h 53 min
